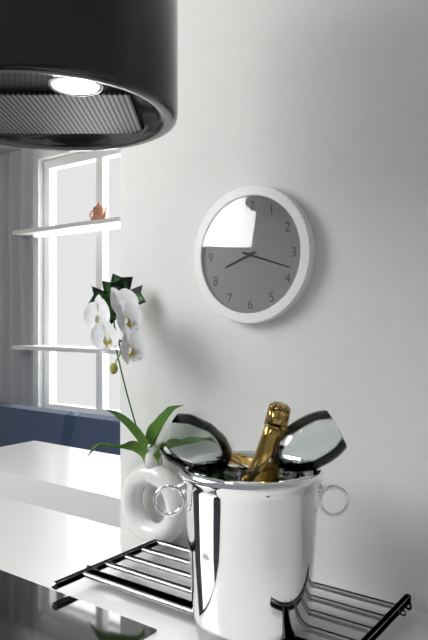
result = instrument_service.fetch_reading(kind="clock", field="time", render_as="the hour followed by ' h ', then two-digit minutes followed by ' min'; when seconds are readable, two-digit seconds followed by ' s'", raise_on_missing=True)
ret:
8 h 18 min
